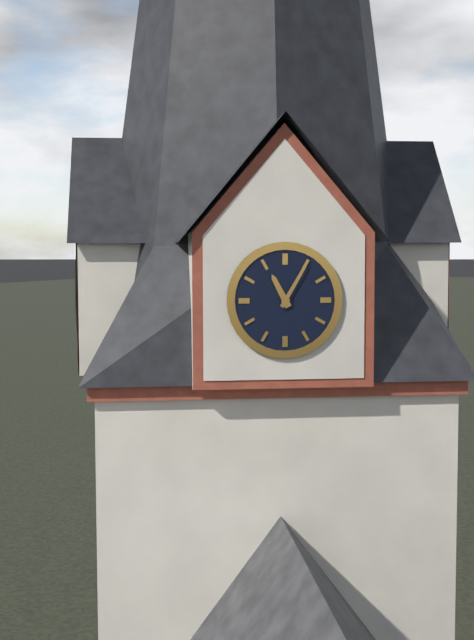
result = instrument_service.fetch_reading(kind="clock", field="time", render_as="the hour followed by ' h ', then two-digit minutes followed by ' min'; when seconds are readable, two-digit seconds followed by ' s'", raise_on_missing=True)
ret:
11 h 05 min
